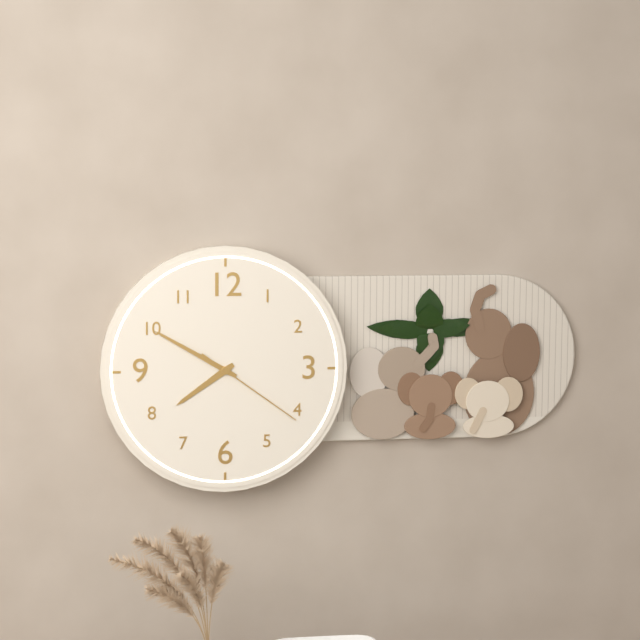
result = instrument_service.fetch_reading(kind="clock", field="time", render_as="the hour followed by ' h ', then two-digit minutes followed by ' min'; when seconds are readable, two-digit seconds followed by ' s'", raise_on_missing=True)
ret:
7 h 50 min 21 s
